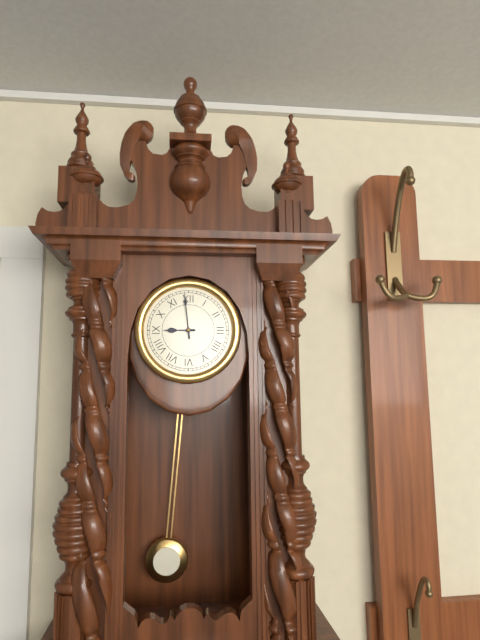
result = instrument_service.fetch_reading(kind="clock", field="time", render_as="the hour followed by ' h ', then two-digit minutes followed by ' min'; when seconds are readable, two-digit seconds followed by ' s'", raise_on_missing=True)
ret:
8 h 59 min
